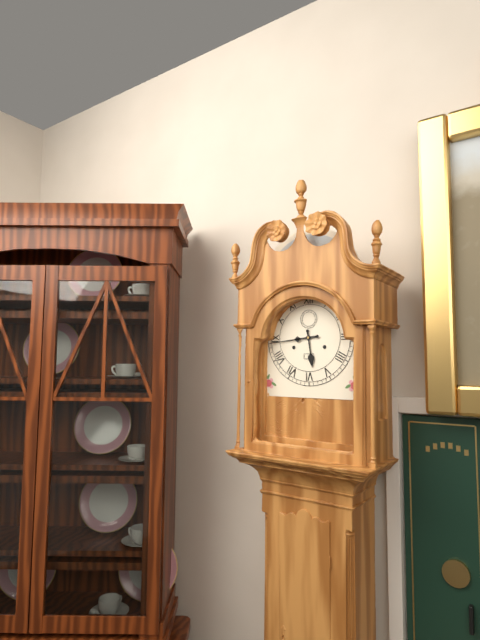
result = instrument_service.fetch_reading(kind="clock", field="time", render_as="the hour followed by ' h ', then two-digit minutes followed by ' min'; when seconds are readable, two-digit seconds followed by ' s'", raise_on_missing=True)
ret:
5 h 44 min
